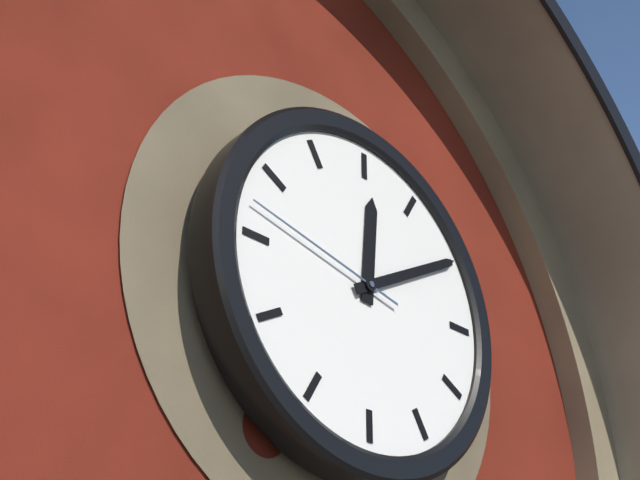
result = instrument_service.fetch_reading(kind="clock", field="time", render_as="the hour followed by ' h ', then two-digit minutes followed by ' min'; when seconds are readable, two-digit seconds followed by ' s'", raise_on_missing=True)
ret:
12 h 10 min 47 s
